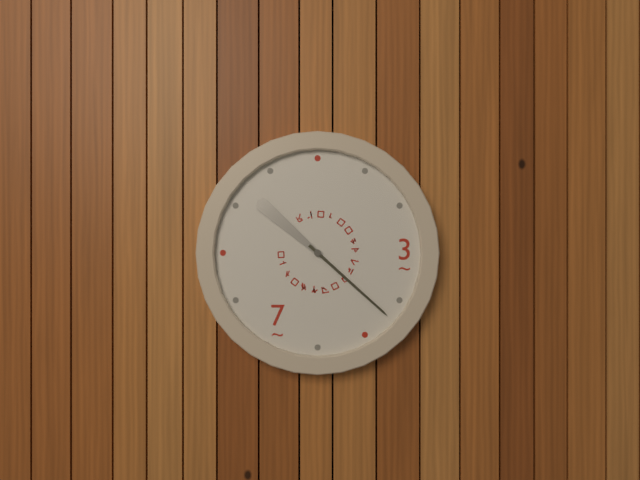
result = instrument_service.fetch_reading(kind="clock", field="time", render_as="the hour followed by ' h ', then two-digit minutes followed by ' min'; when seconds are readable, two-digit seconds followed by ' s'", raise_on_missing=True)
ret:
10 h 22 min
